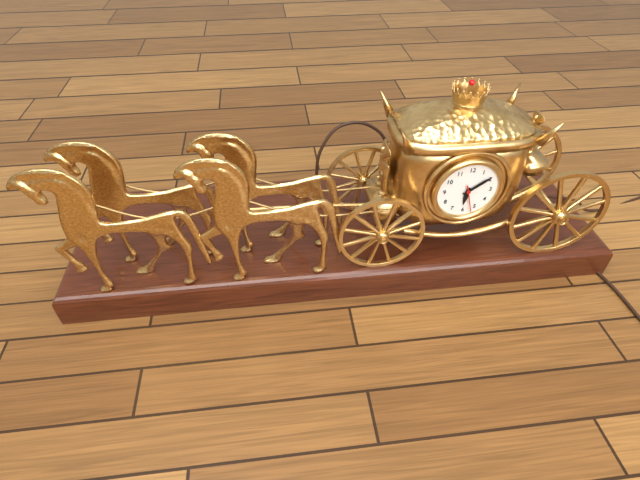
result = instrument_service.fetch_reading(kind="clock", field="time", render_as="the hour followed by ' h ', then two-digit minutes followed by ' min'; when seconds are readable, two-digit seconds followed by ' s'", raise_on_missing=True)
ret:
6 h 09 min
